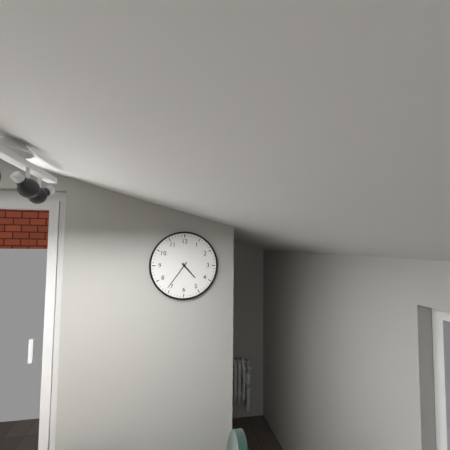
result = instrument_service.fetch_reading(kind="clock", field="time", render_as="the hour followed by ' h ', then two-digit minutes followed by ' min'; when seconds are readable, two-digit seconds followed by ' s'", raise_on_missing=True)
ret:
4 h 36 min
